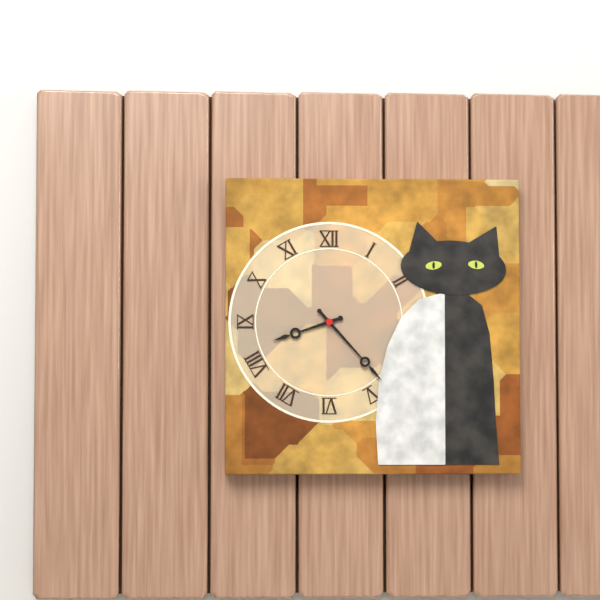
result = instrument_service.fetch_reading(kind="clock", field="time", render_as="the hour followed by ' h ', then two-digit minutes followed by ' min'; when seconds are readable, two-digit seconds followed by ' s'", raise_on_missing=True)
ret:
8 h 23 min
